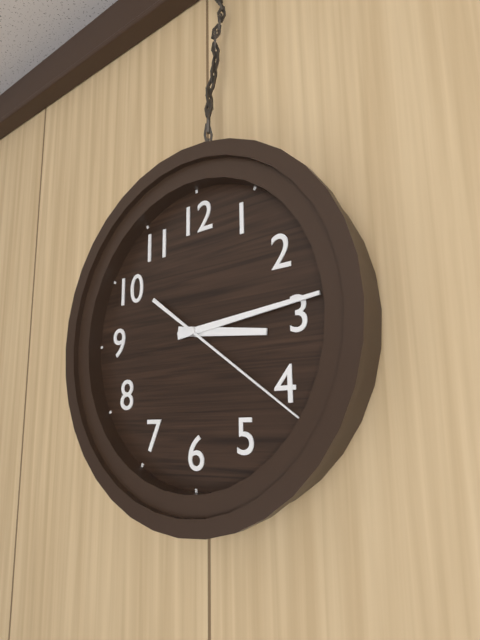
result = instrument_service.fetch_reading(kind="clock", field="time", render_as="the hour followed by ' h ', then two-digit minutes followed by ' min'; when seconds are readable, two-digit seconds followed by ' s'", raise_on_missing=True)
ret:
3 h 14 min 21 s
